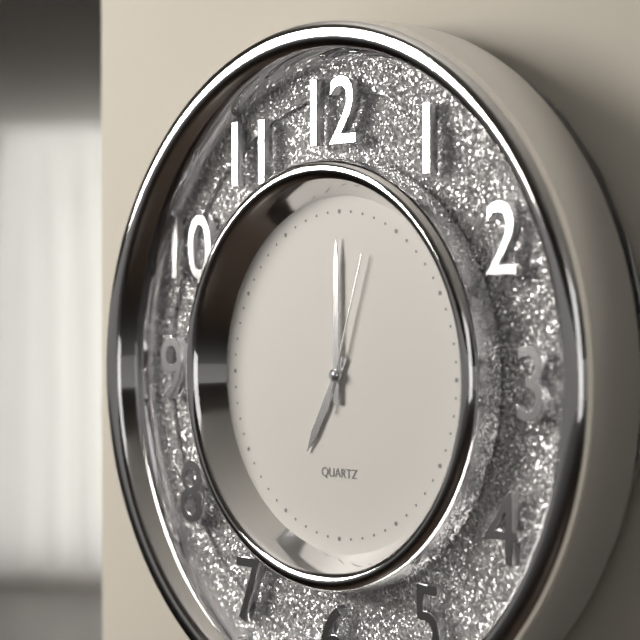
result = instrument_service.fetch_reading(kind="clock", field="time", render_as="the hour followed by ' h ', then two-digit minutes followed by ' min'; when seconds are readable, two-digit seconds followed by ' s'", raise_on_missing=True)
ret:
7 h 00 min 03 s
